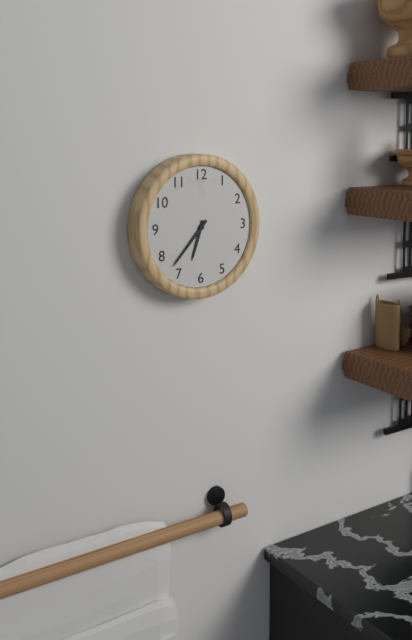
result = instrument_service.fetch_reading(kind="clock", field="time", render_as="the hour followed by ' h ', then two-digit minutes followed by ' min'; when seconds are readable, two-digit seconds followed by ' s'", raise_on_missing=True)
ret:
6 h 37 min
